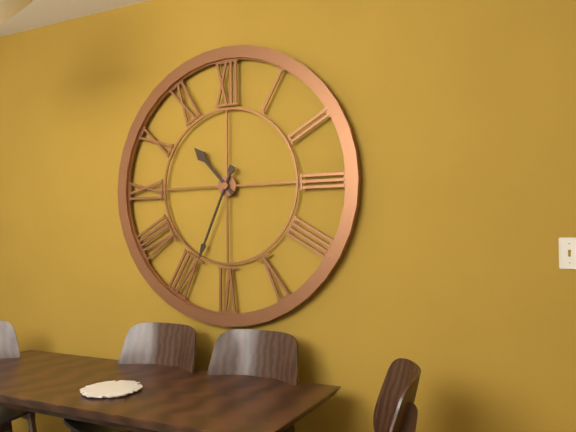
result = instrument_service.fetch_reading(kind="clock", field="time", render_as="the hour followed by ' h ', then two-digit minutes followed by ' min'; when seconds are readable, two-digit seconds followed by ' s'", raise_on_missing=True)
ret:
10 h 34 min
